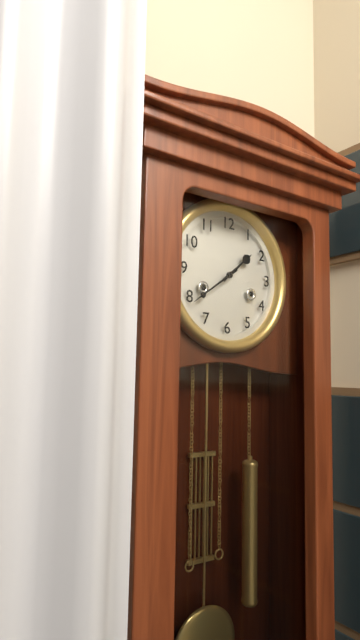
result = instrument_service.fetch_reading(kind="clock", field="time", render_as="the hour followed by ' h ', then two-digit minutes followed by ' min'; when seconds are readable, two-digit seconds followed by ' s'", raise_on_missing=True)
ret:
1 h 39 min
